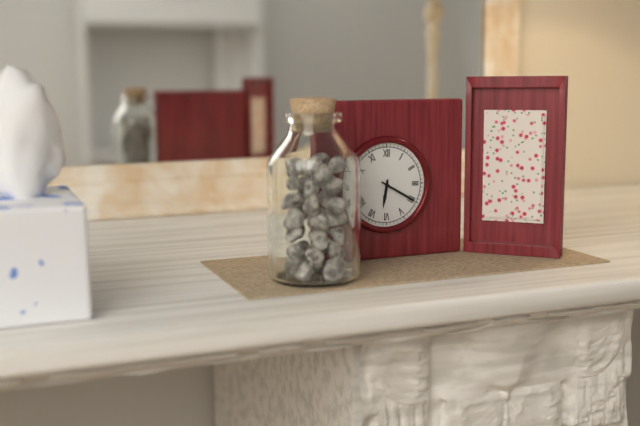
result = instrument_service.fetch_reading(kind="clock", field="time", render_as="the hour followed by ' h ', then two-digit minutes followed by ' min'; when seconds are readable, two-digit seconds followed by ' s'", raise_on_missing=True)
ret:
6 h 20 min
